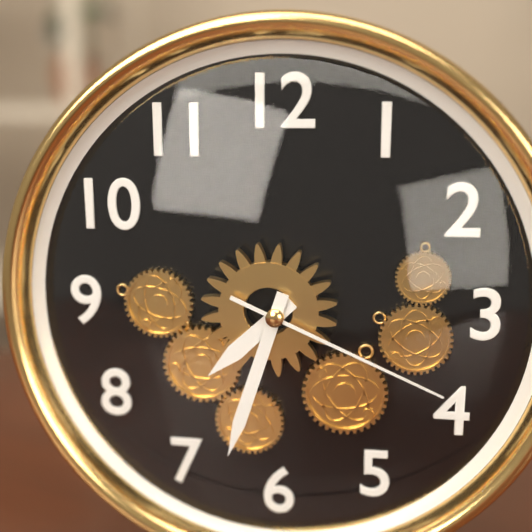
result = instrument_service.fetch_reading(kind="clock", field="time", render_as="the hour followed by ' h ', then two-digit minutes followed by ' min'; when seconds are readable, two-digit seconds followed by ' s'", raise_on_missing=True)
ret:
7 h 33 min 19 s
